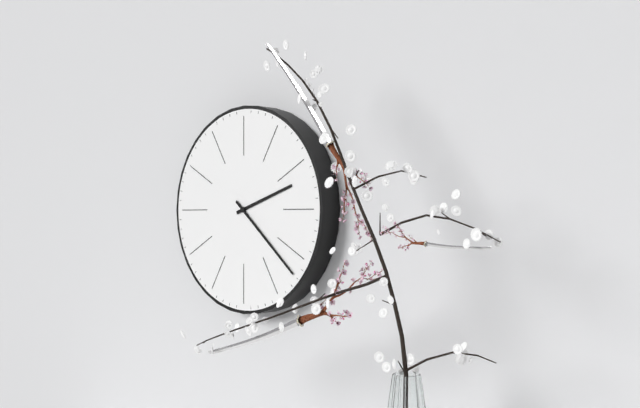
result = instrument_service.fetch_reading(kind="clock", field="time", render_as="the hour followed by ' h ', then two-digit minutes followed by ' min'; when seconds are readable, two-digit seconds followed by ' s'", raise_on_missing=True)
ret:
2 h 22 min
